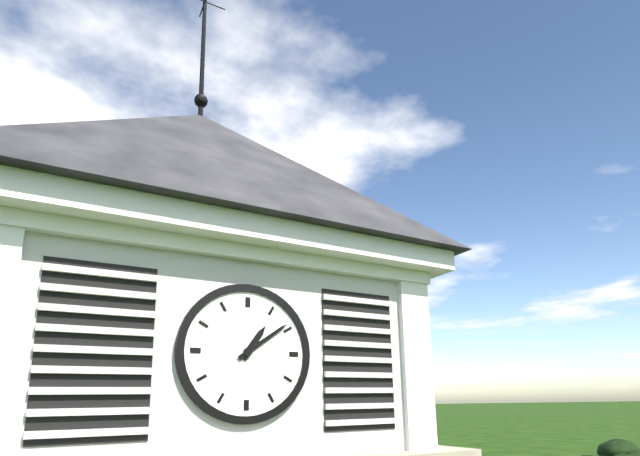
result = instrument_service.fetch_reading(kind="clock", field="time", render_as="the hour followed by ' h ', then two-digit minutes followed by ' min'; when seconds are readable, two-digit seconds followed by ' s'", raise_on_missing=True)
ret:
1 h 09 min
